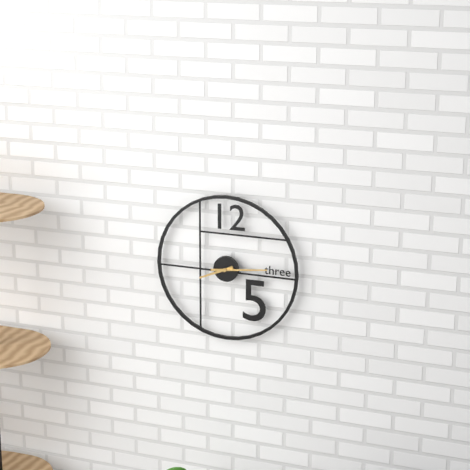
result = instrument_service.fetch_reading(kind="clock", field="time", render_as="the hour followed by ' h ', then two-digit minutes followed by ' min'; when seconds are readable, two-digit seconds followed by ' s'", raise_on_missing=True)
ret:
8 h 14 min
